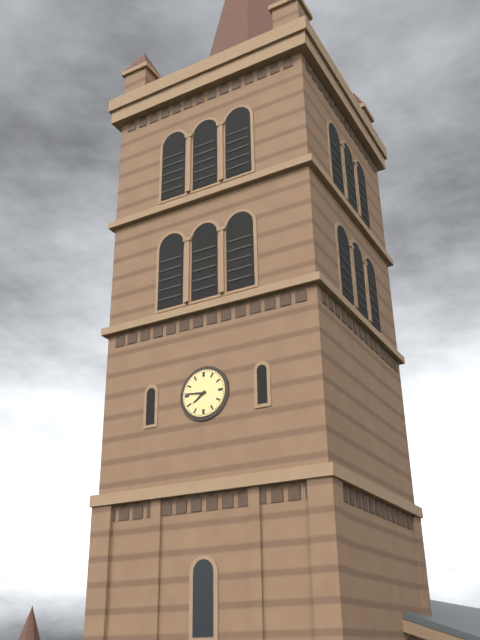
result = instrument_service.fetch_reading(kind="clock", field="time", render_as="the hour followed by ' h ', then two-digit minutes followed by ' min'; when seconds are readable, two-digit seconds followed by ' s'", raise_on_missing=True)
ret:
7 h 46 min
